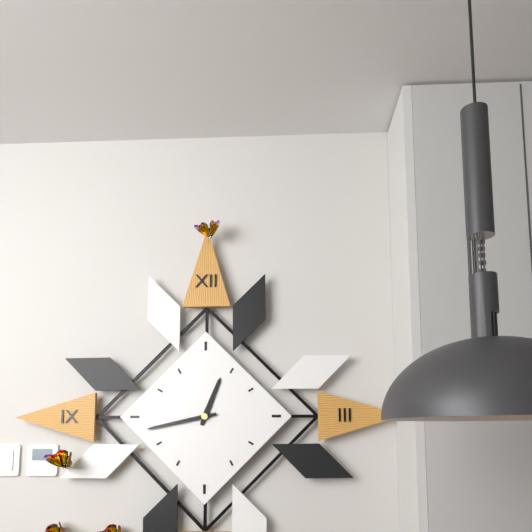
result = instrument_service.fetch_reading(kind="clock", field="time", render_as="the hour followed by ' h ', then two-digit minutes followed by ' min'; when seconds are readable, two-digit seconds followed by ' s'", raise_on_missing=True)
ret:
12 h 43 min
